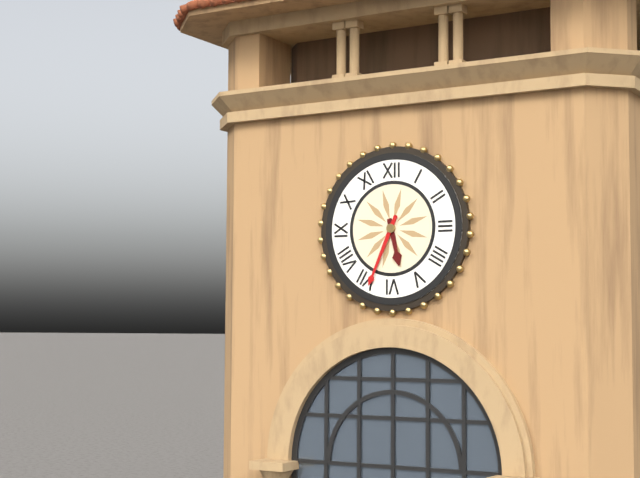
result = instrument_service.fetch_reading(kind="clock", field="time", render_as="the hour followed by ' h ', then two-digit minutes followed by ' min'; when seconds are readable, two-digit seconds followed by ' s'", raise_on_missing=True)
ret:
5 h 34 min
